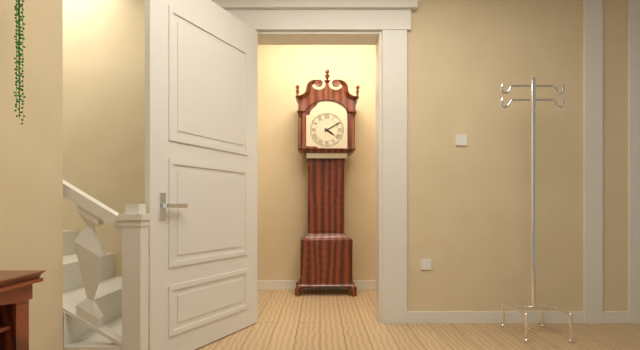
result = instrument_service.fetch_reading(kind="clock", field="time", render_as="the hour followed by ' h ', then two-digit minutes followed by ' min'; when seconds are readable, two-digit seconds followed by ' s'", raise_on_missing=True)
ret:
4 h 10 min
